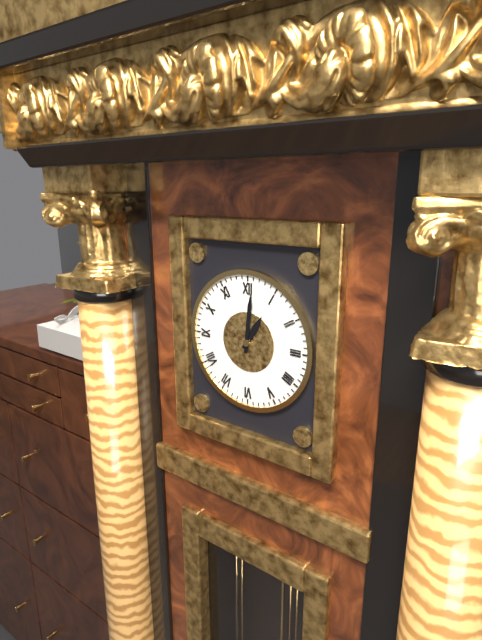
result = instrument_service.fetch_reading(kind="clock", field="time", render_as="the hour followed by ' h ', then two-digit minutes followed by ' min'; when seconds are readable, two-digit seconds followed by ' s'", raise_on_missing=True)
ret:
1 h 01 min
